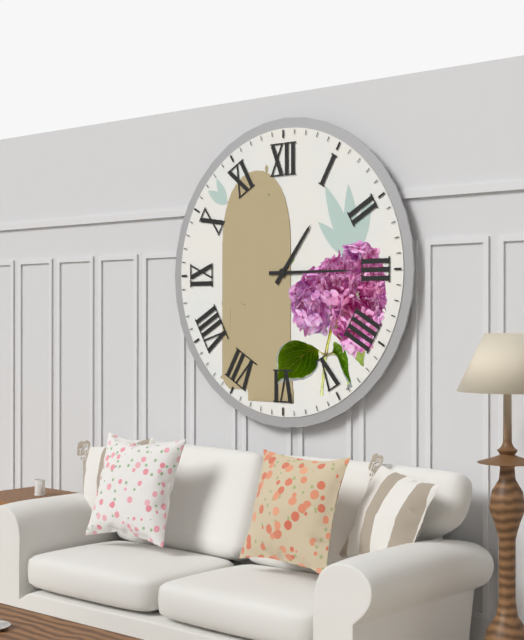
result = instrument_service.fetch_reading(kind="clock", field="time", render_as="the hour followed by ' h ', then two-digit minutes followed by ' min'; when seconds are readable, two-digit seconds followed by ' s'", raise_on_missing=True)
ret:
1 h 15 min
